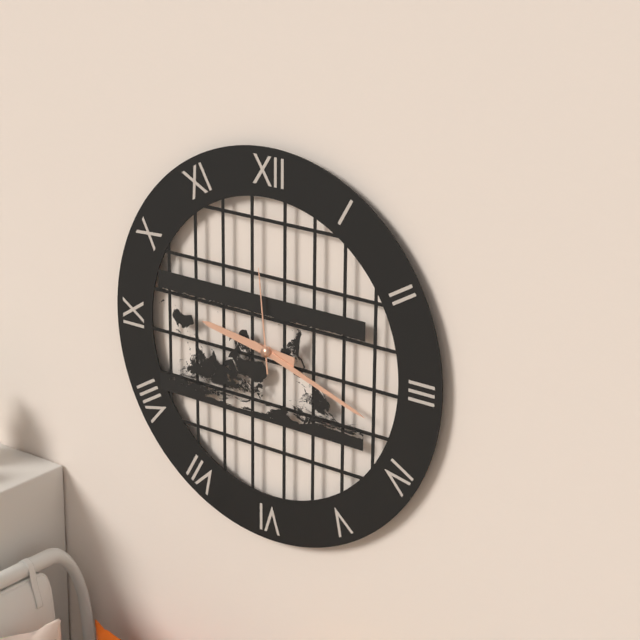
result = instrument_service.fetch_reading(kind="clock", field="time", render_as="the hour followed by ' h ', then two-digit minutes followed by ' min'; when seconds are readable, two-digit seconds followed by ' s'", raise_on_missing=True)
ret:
9 h 18 min 59 s
